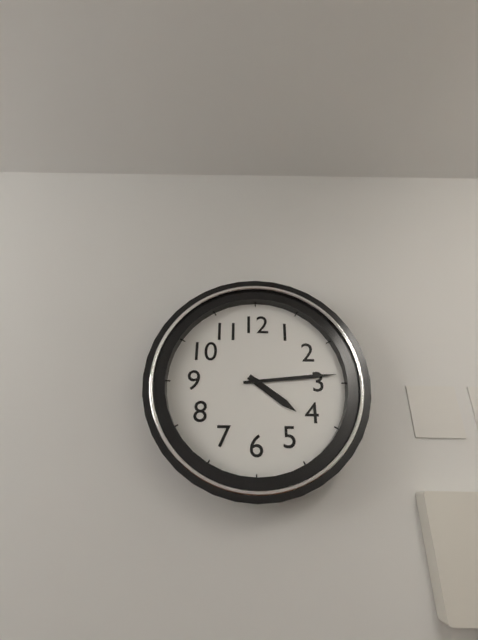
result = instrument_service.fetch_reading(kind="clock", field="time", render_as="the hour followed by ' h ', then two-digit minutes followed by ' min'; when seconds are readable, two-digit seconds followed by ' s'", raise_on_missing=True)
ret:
4 h 14 min
